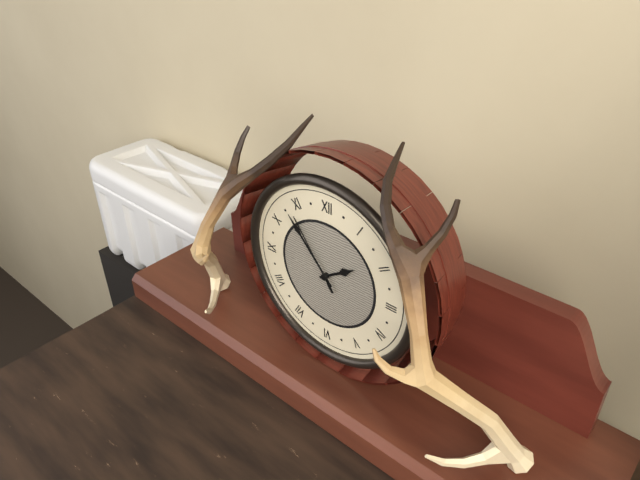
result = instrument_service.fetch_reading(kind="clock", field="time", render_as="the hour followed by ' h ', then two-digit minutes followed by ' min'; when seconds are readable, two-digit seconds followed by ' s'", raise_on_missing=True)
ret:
1 h 53 min 54 s
